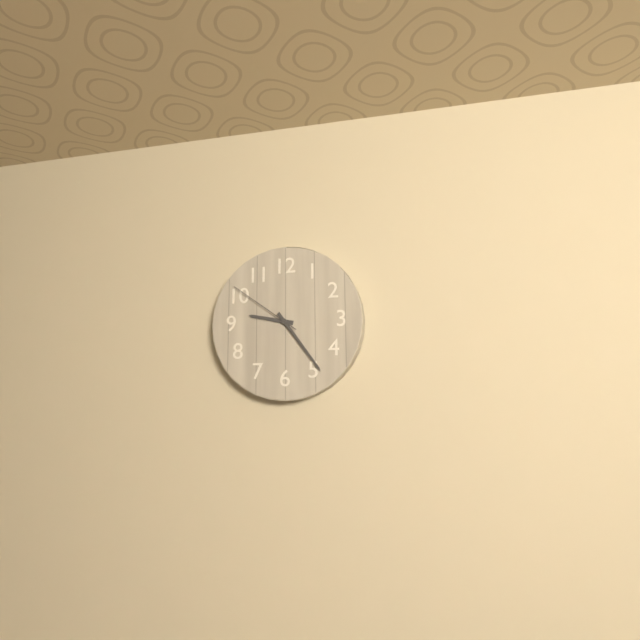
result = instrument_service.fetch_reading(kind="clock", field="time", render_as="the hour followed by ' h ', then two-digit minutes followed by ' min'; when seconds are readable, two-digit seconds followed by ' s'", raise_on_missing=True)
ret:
9 h 24 min 51 s
